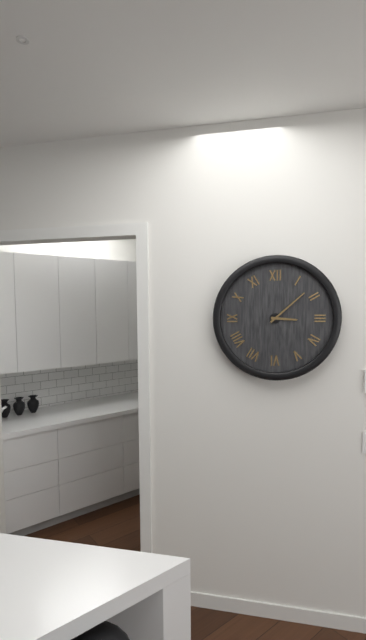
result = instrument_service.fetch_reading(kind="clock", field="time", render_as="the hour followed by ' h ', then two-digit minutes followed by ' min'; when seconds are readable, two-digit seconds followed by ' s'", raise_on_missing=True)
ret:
3 h 08 min
